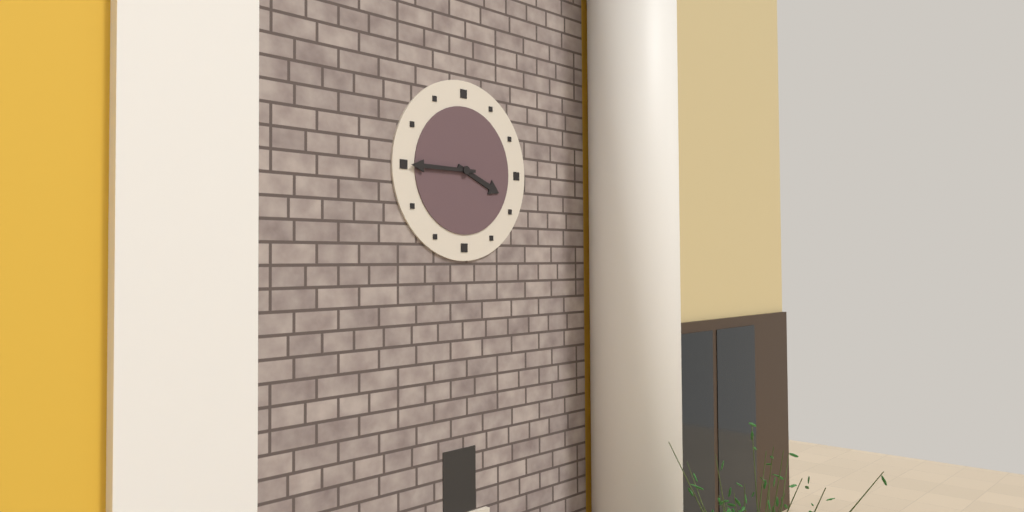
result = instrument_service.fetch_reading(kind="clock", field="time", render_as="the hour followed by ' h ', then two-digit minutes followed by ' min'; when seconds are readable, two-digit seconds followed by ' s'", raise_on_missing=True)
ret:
3 h 45 min
